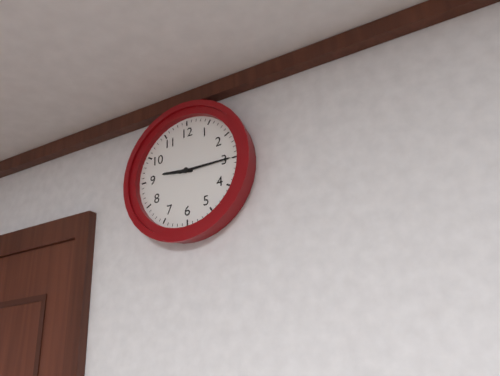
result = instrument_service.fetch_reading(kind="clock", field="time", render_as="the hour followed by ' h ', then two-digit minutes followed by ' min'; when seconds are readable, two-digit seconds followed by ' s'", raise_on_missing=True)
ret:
9 h 15 min
